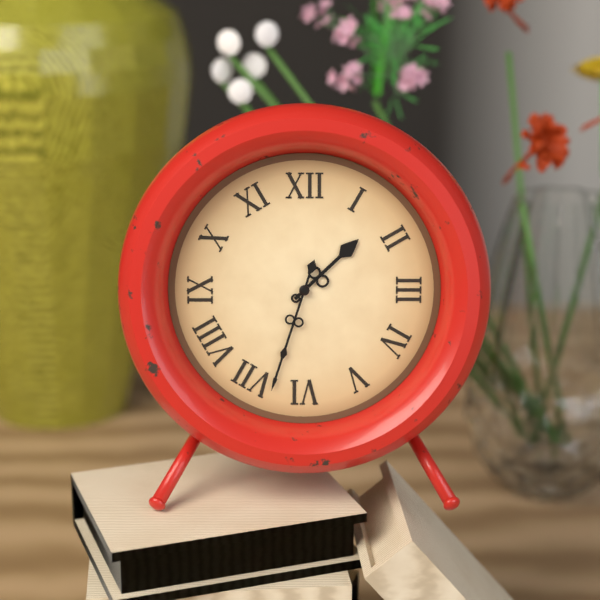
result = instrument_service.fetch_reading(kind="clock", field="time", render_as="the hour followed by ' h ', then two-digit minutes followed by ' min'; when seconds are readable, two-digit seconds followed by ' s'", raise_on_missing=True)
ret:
1 h 33 min
